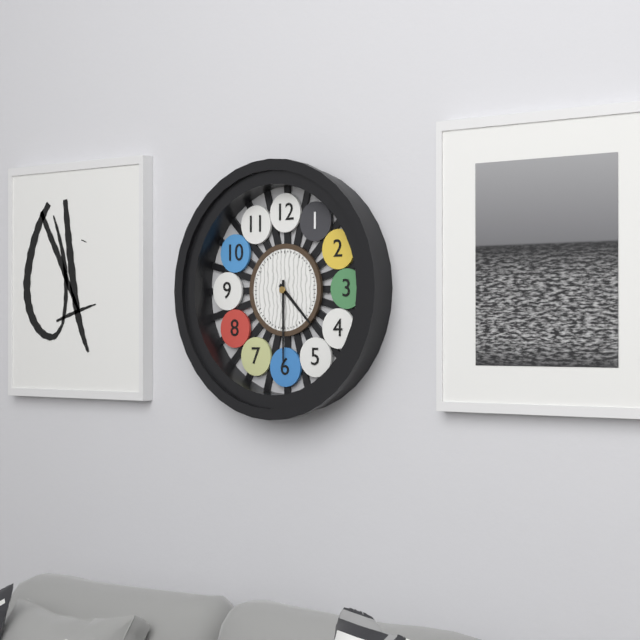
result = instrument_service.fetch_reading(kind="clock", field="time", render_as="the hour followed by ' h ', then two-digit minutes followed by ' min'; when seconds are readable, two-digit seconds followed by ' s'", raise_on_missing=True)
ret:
4 h 30 min
